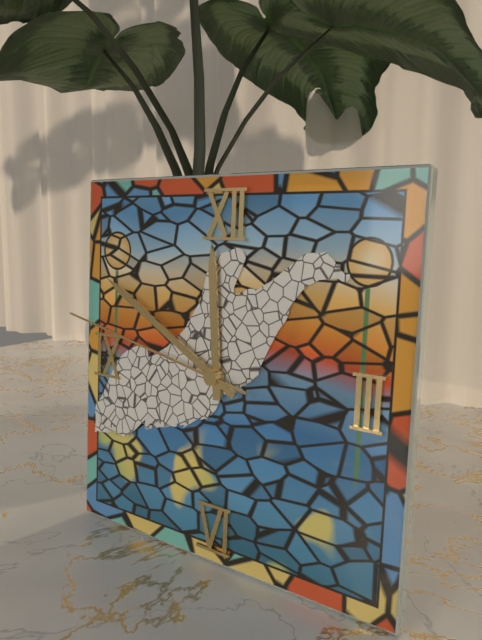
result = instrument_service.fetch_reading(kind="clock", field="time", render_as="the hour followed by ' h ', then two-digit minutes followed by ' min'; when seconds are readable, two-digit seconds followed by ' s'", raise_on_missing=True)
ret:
11 h 50 min 47 s
